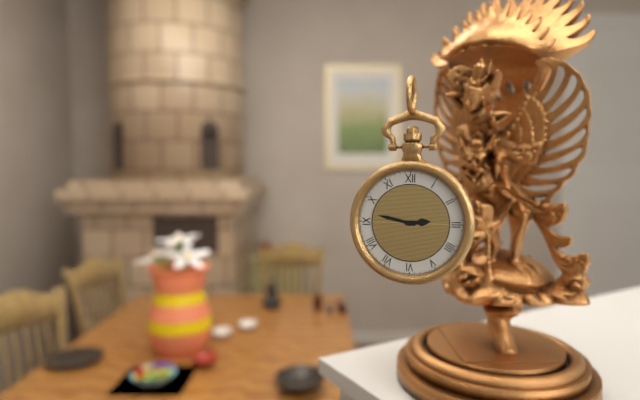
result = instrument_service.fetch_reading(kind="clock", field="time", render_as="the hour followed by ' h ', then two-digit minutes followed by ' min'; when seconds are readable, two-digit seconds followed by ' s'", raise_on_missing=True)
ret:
2 h 47 min
